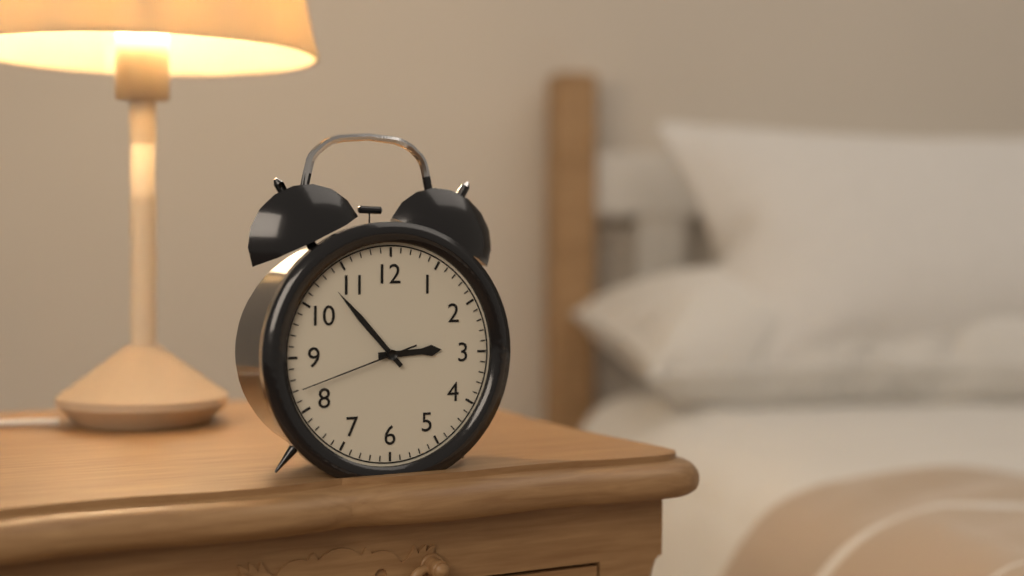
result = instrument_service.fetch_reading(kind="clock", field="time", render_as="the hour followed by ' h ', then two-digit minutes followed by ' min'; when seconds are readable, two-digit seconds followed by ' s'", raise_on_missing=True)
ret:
2 h 53 min 42 s
